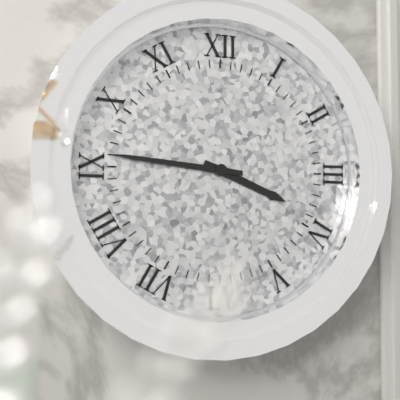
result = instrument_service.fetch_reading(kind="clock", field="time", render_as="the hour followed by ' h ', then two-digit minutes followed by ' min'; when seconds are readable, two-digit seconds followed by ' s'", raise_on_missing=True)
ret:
3 h 46 min
